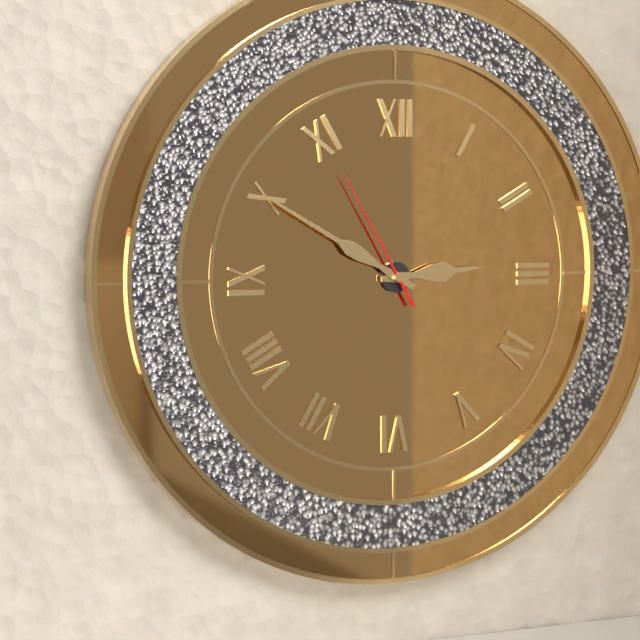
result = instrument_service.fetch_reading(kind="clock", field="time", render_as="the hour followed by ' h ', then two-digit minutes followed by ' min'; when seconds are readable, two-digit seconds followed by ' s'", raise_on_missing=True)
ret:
2 h 50 min 55 s
